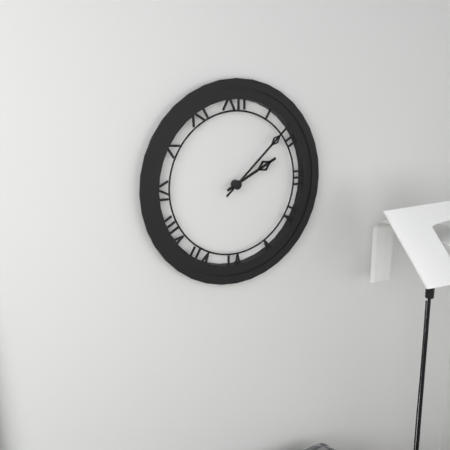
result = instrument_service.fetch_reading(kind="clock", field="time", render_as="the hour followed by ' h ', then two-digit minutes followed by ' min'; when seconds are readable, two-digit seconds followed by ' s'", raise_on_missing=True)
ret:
2 h 08 min
